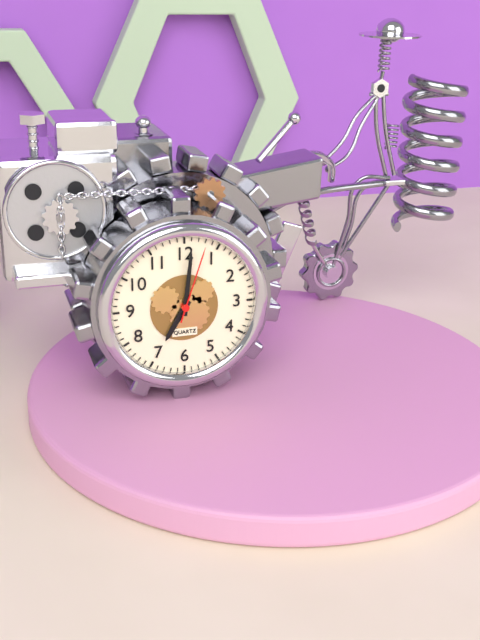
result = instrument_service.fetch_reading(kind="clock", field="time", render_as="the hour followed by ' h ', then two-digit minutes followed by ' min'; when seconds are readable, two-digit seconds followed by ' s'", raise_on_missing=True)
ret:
7 h 01 min 03 s
